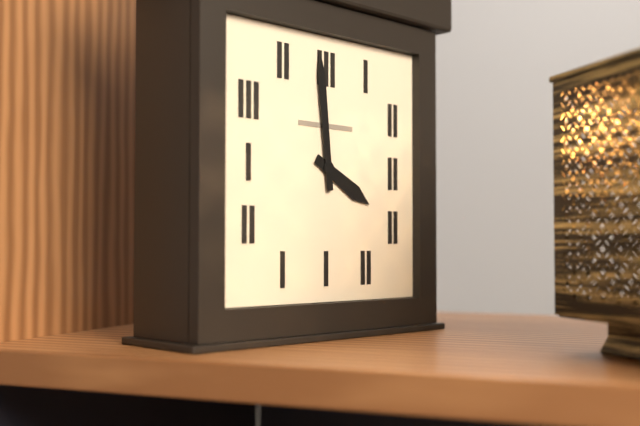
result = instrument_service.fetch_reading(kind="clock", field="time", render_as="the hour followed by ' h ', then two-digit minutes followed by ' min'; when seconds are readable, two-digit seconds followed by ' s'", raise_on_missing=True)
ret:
3 h 59 min
